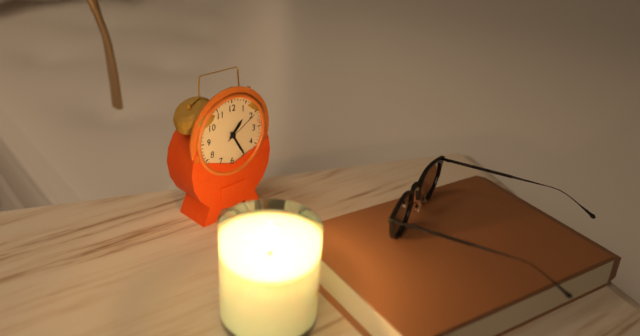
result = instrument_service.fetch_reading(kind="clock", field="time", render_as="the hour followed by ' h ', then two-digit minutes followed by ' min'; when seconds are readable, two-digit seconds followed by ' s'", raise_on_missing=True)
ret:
1 h 25 min
